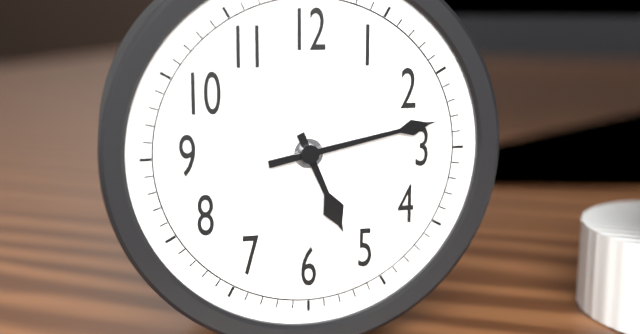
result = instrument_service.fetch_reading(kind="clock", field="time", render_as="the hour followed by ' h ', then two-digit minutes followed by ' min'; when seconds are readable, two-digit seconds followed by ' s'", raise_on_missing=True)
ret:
5 h 13 min
